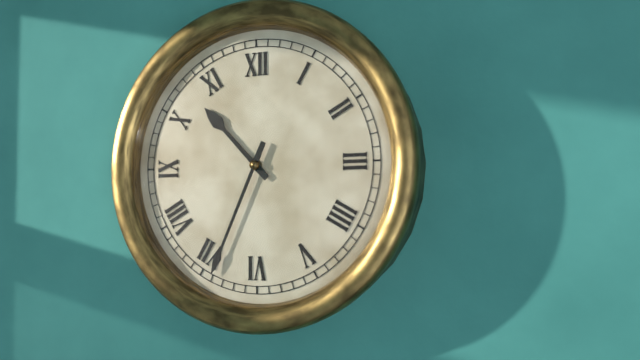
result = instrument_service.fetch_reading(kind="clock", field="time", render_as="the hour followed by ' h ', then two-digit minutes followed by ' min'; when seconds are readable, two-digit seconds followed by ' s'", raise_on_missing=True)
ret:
10 h 34 min
